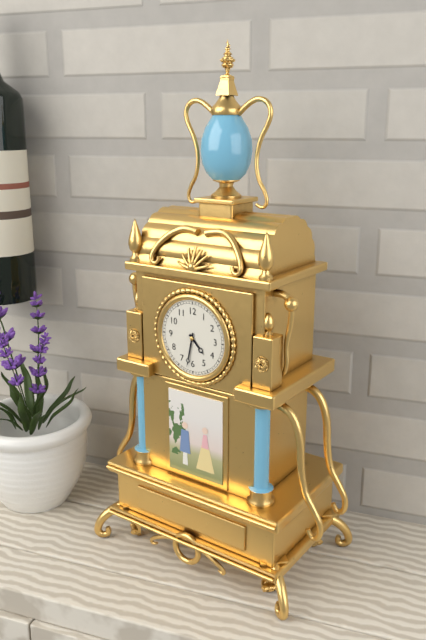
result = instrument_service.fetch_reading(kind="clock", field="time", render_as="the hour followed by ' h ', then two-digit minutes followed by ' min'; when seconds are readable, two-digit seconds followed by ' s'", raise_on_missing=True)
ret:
4 h 32 min
